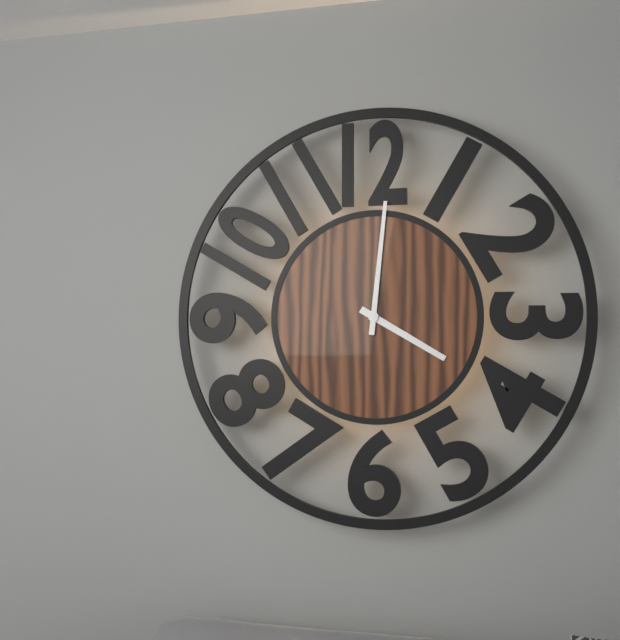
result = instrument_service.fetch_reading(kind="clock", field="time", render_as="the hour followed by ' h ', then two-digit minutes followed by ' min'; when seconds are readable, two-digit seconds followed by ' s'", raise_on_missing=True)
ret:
4 h 01 min
